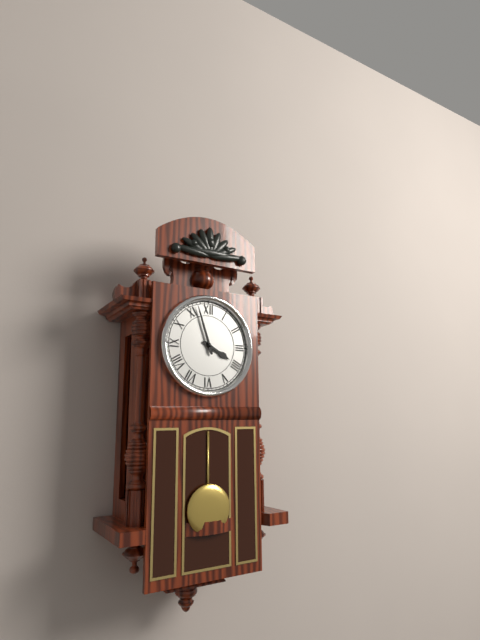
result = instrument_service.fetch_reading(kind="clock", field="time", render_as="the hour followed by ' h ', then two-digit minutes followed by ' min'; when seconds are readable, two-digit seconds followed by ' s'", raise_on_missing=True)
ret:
3 h 57 min
